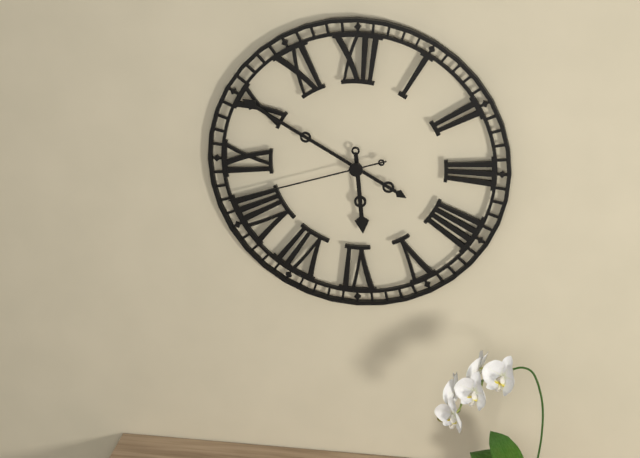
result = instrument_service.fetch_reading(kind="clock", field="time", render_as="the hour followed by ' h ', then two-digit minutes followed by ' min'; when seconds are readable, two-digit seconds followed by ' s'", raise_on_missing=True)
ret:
5 h 50 min 42 s
